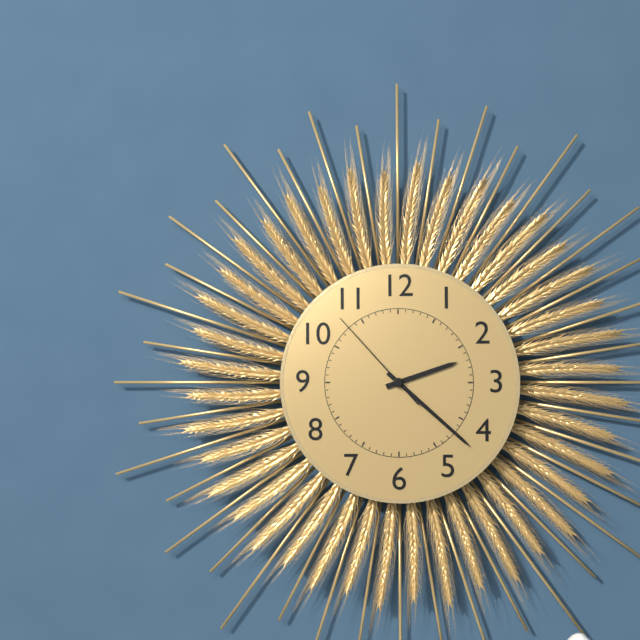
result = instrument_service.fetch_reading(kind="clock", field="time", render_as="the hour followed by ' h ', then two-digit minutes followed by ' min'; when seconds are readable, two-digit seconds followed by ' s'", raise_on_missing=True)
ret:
2 h 22 min 53 s
